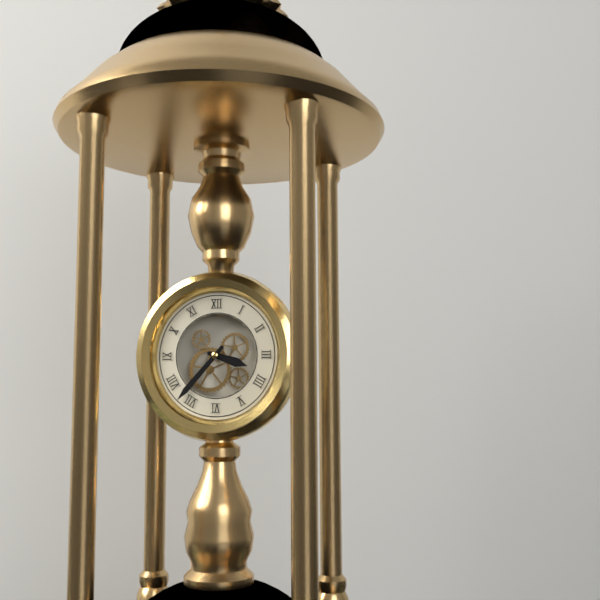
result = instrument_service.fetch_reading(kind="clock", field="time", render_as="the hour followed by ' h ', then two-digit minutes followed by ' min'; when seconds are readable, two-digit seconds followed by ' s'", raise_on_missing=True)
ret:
3 h 37 min
